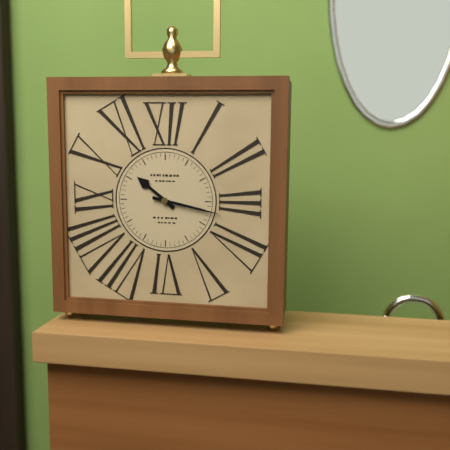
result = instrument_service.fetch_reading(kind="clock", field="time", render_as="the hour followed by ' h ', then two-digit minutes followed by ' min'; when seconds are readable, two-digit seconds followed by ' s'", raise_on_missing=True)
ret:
10 h 17 min
